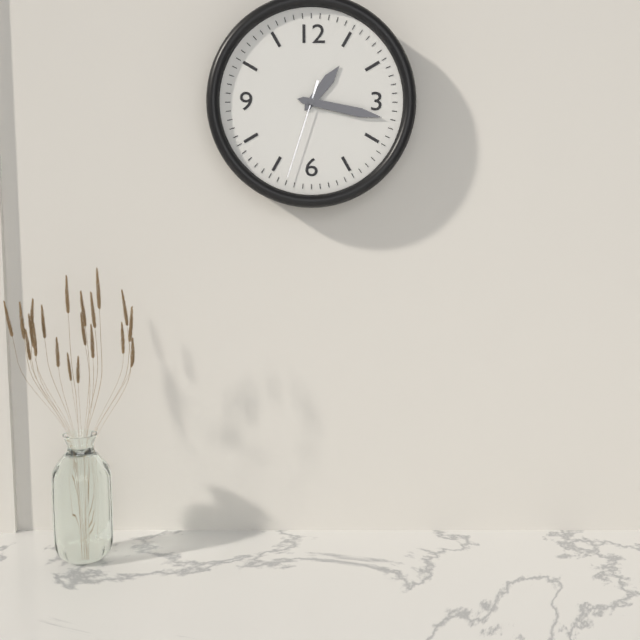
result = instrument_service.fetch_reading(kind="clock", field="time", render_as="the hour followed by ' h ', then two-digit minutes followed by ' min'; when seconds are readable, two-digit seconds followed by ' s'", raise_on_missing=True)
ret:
1 h 17 min 33 s
